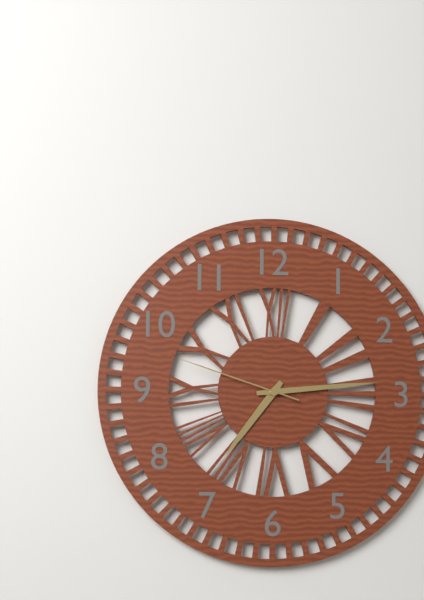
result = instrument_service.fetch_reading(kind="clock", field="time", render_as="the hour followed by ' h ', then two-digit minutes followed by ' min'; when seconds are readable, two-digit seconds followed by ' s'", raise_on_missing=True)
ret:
7 h 14 min 48 s
